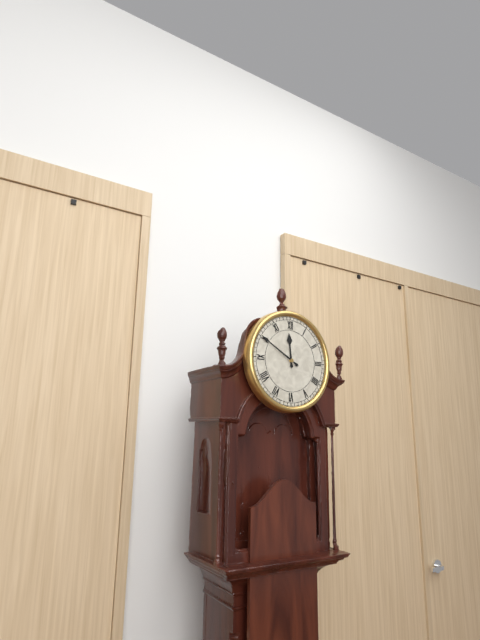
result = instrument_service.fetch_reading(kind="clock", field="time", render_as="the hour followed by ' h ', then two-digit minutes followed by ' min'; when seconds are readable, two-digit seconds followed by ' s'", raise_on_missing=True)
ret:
11 h 50 min
